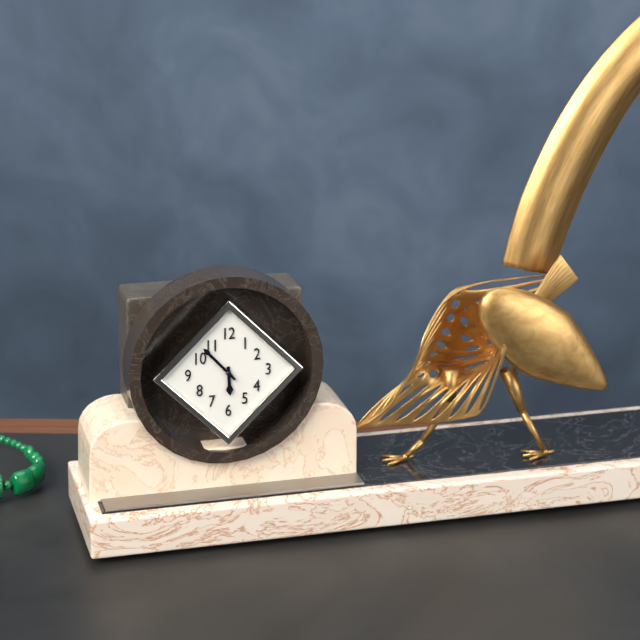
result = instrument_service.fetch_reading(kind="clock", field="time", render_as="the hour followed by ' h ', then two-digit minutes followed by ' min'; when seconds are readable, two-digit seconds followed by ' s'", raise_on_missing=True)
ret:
5 h 53 min
